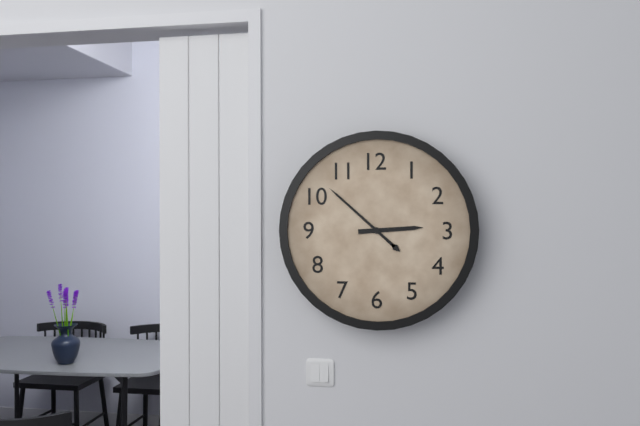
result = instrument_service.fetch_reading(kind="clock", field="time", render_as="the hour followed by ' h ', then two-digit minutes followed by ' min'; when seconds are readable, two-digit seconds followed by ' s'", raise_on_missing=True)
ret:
2 h 52 min
